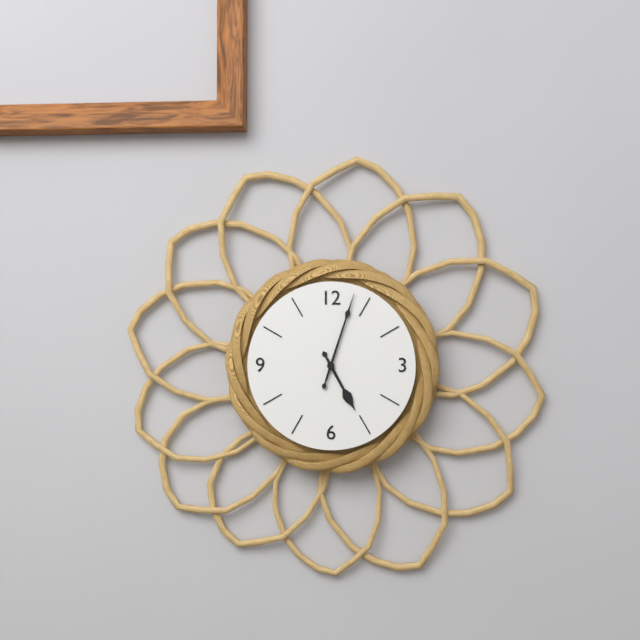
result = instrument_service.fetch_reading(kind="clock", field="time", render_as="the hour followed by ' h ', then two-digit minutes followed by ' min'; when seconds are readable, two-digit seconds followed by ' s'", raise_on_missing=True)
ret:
5 h 03 min
